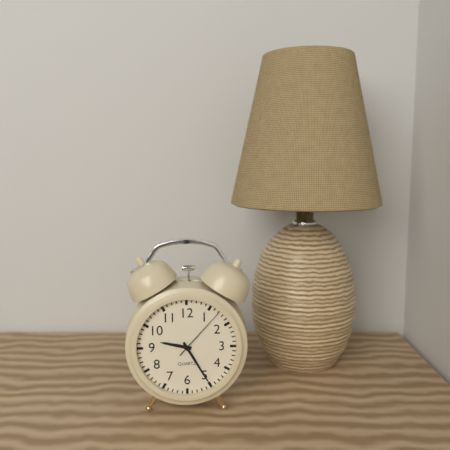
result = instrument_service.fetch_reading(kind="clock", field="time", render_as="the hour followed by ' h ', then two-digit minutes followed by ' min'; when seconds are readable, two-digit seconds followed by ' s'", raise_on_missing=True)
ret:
9 h 25 min 07 s
